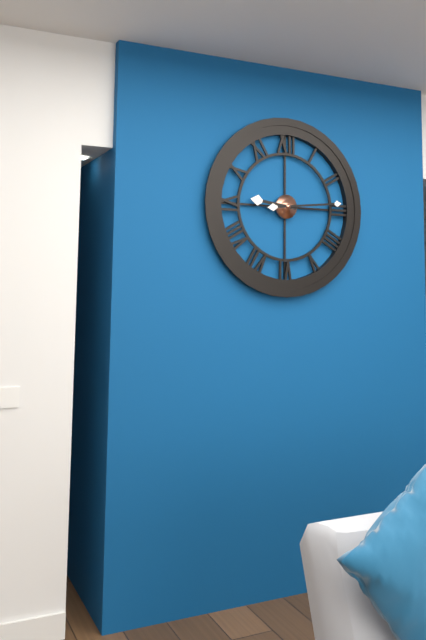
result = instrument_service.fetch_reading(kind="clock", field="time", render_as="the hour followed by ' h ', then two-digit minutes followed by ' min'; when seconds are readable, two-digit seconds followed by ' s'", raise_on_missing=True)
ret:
9 h 14 min
